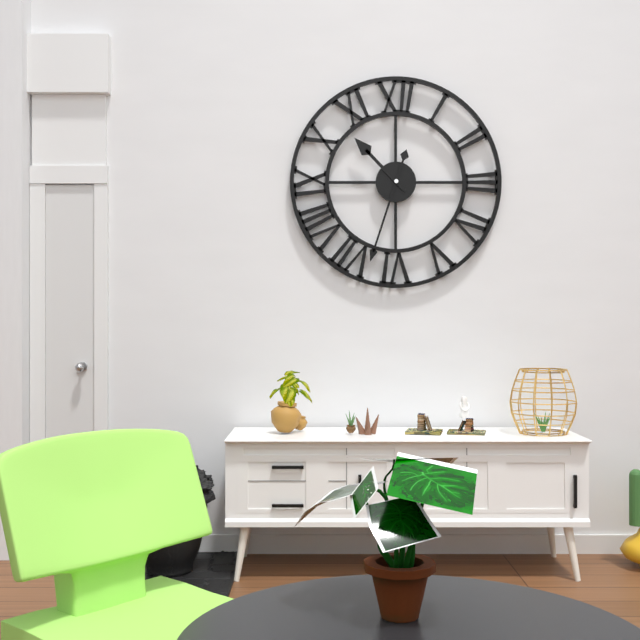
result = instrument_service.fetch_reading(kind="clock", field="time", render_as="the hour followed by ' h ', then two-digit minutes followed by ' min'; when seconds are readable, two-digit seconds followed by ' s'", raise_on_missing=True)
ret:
10 h 33 min
